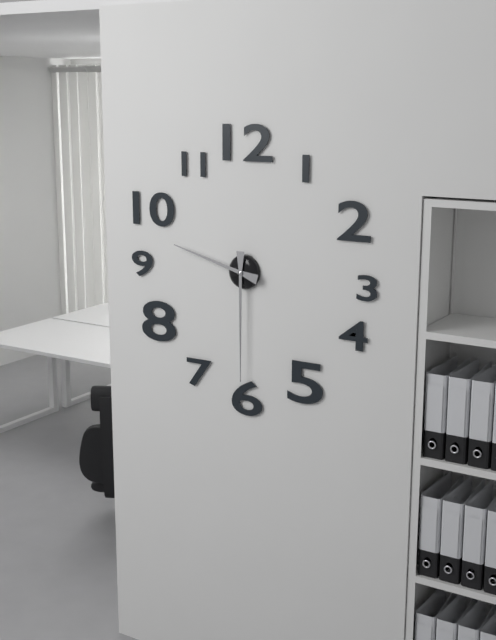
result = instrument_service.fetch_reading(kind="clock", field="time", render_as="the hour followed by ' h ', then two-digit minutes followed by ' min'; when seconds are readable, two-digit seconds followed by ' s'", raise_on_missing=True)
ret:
9 h 30 min
